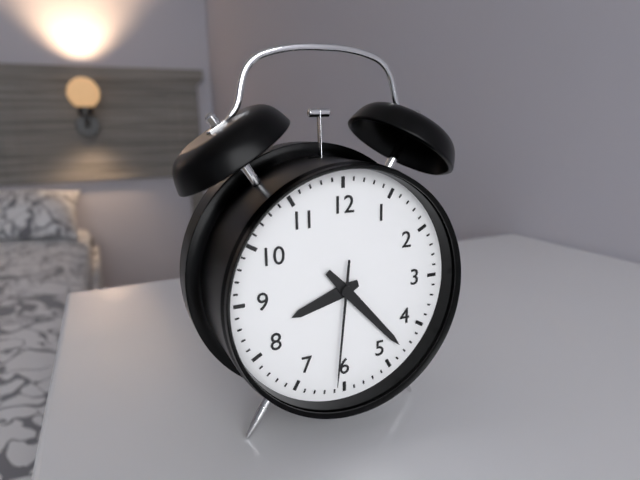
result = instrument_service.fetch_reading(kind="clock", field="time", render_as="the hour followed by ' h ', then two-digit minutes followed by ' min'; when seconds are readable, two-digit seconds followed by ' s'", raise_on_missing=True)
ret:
8 h 23 min 31 s
